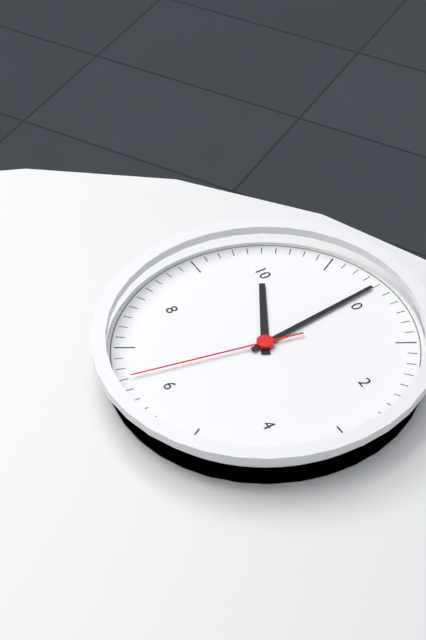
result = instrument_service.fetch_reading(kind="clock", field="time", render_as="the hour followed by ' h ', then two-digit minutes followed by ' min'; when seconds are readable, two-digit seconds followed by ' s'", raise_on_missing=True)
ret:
9 h 59 min 32 s
